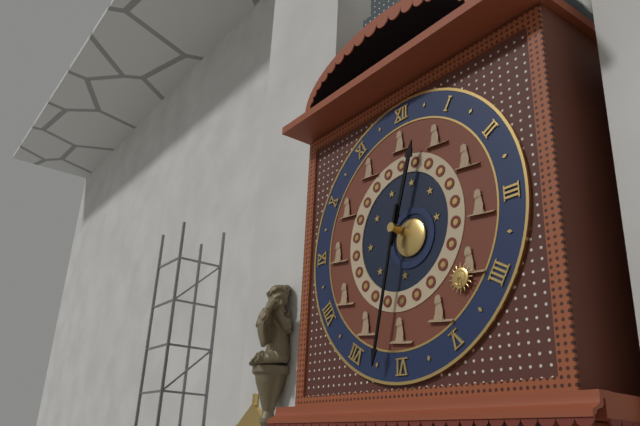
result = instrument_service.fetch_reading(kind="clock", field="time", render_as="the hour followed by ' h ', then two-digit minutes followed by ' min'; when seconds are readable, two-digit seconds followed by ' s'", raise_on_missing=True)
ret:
12 h 32 min
